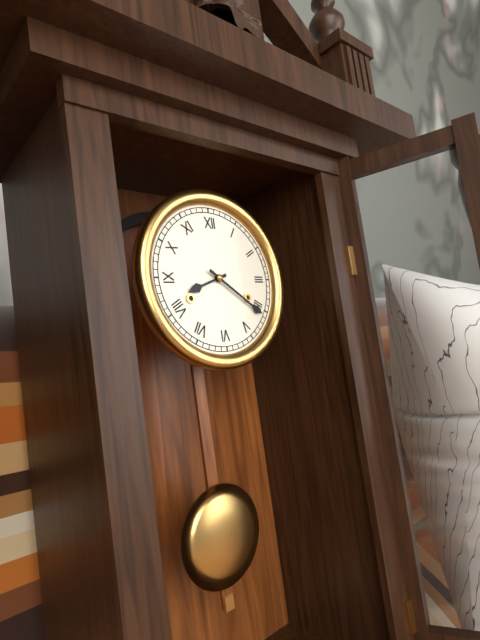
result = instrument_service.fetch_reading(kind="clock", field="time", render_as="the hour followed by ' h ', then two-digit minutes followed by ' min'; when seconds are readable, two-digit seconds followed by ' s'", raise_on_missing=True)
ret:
8 h 21 min
